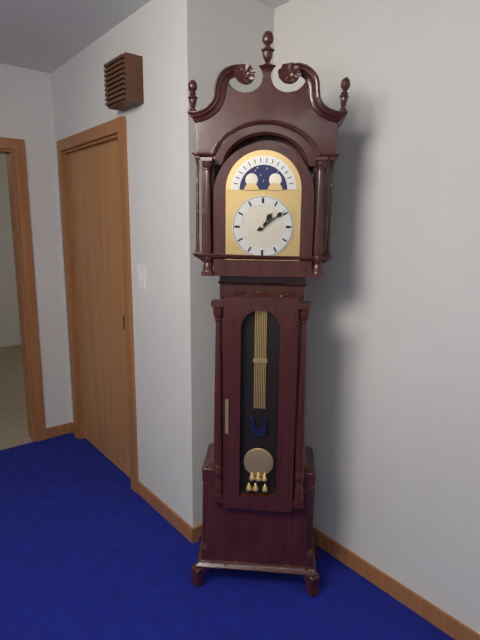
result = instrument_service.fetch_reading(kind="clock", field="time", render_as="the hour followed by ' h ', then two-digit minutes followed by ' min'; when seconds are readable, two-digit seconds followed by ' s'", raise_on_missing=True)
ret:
1 h 09 min
